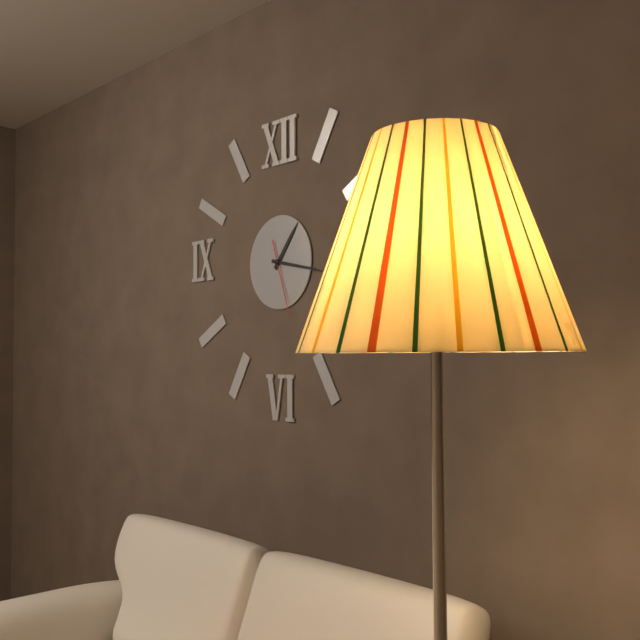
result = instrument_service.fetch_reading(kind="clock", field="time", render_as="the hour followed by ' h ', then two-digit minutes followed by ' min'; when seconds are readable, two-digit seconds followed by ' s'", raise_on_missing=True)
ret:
1 h 17 min 27 s
